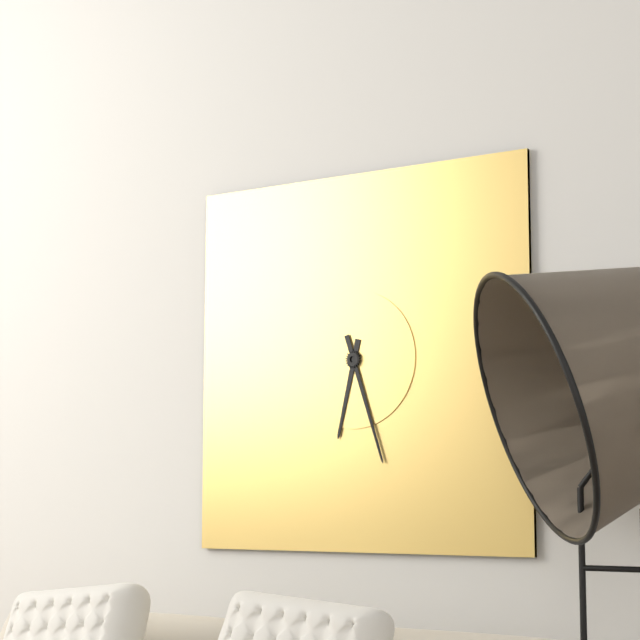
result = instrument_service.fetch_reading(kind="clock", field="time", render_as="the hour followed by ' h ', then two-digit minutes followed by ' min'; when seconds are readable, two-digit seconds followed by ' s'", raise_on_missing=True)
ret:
6 h 27 min
